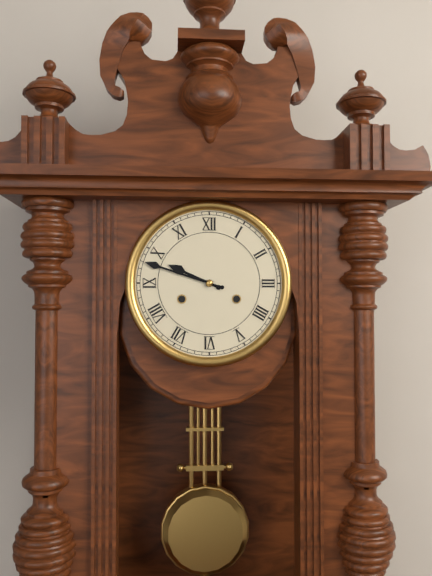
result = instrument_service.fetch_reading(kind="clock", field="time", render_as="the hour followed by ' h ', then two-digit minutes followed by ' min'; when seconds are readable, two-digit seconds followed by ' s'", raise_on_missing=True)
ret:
9 h 48 min
